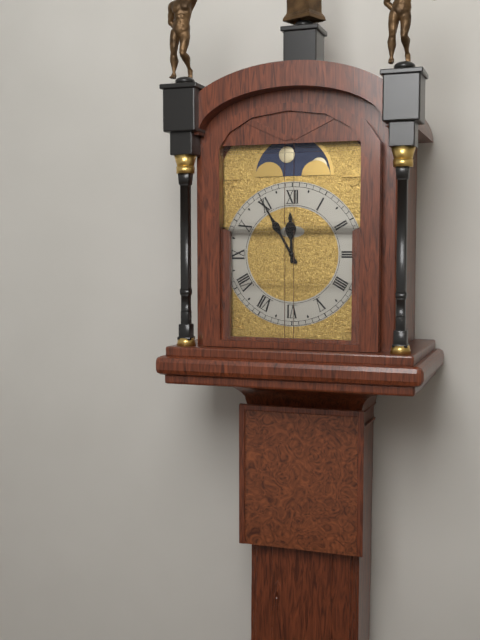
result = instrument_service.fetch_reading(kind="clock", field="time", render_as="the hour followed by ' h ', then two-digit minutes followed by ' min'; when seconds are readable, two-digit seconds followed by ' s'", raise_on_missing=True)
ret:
11 h 55 min
